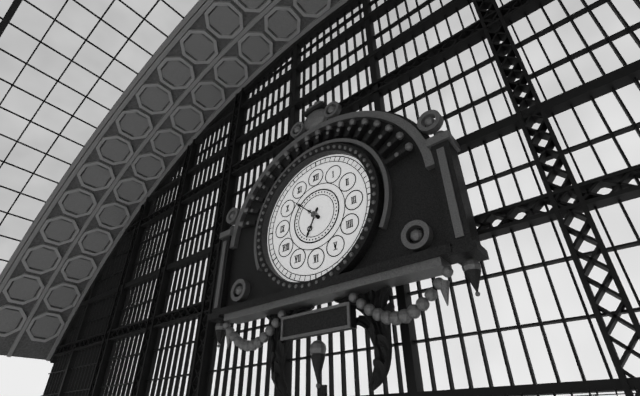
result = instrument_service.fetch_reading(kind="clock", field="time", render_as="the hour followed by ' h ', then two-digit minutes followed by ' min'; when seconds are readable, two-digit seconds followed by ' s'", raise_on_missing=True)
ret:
6 h 52 min
